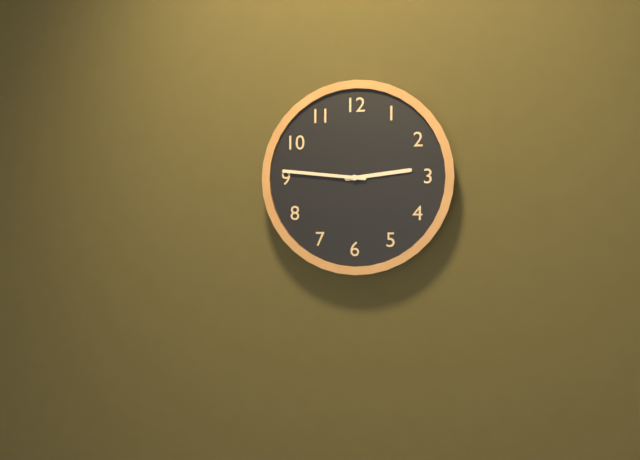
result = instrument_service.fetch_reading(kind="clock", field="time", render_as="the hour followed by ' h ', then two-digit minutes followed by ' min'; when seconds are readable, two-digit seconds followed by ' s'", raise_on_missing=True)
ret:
2 h 46 min
